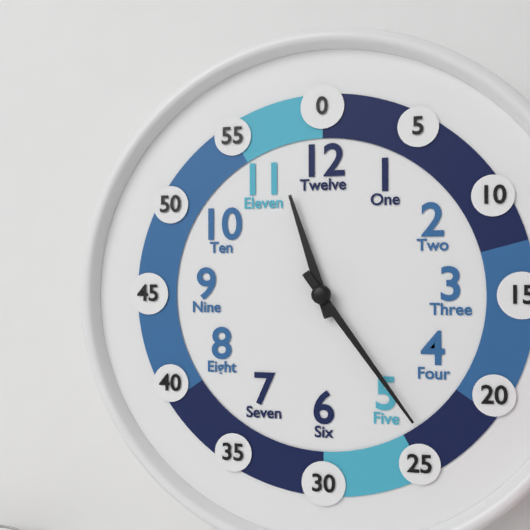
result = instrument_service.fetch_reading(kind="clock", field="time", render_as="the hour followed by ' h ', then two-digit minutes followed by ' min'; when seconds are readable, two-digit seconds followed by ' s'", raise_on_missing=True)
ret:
11 h 24 min
